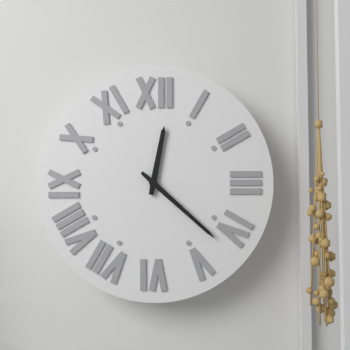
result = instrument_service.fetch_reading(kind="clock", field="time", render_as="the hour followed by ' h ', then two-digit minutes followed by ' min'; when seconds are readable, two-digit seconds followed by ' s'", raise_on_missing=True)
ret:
12 h 22 min
